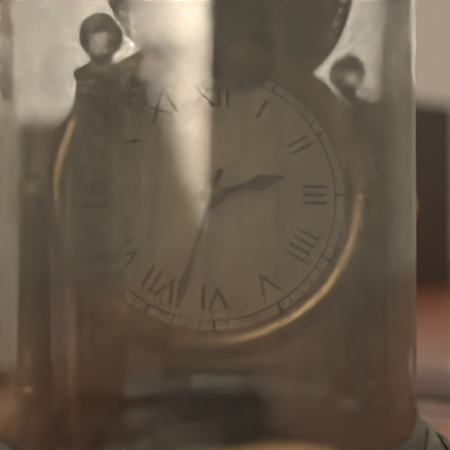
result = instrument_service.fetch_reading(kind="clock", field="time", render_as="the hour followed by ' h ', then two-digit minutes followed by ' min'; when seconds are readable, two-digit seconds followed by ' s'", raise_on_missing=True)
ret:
2 h 33 min
